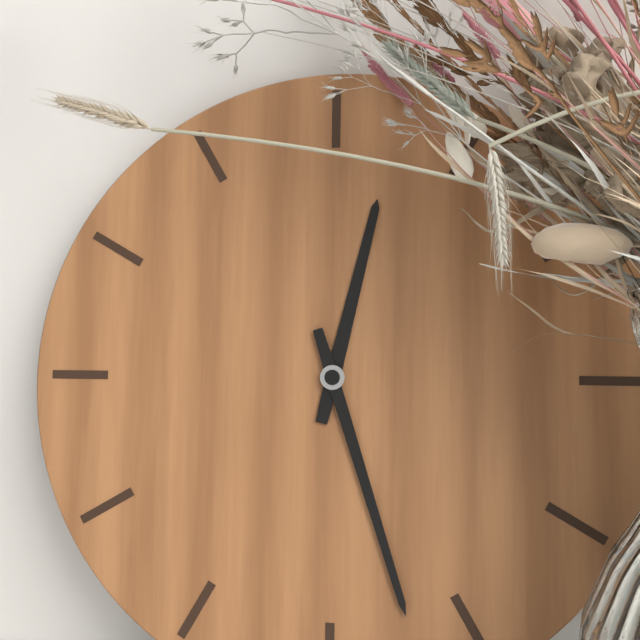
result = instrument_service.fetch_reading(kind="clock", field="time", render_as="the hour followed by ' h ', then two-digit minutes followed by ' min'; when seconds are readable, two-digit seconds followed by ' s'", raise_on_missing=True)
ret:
12 h 27 min
